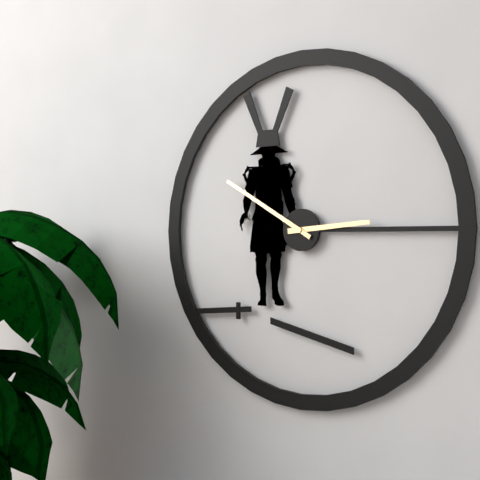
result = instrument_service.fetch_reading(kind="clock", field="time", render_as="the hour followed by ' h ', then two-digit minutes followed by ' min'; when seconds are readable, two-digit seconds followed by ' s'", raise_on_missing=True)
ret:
2 h 50 min
